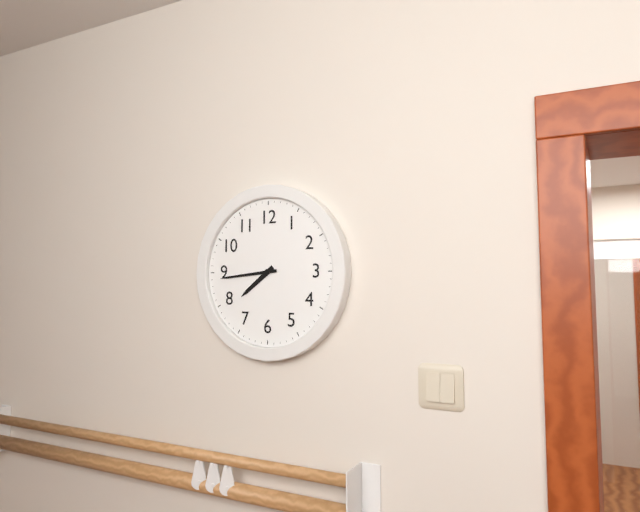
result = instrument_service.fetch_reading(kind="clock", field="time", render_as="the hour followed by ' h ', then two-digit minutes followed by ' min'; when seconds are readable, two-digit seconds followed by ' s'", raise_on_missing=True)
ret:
7 h 44 min
